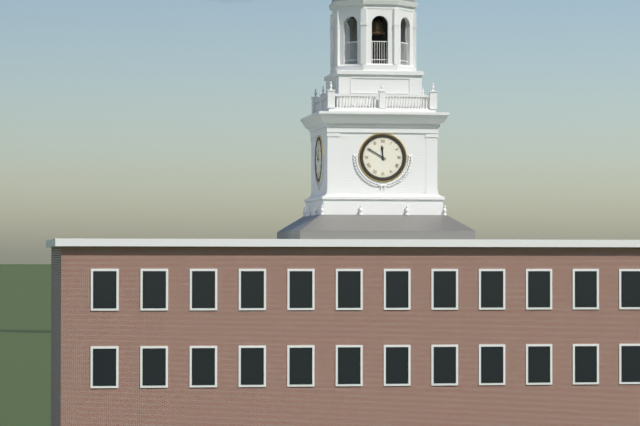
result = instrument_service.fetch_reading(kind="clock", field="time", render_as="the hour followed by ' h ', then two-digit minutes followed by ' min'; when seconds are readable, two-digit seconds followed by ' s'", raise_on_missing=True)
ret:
11 h 50 min
